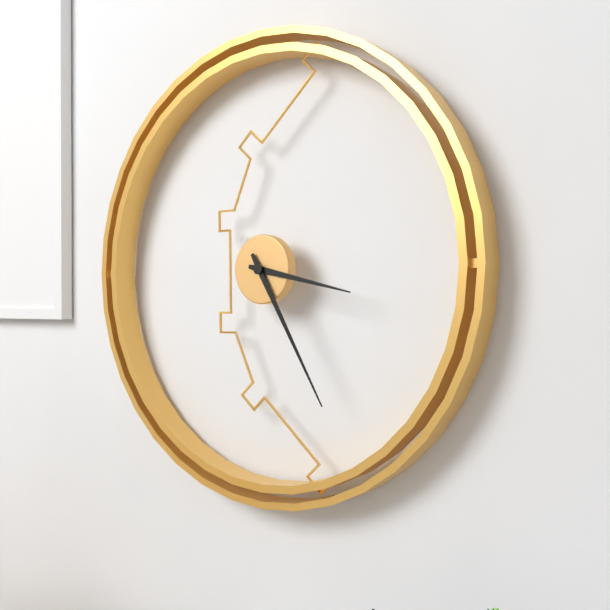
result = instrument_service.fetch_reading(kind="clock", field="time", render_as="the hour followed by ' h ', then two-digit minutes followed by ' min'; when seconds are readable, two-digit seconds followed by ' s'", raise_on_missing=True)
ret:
3 h 25 min
